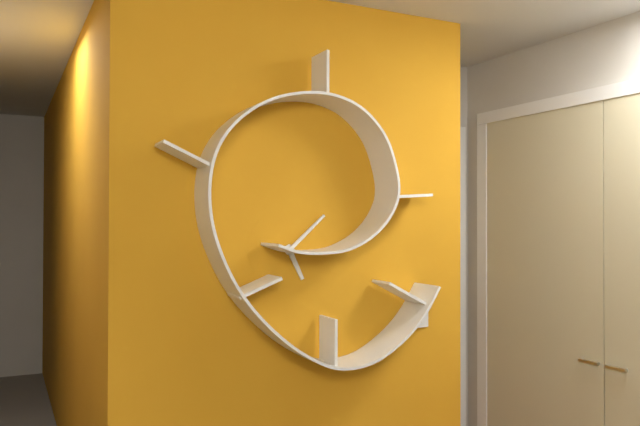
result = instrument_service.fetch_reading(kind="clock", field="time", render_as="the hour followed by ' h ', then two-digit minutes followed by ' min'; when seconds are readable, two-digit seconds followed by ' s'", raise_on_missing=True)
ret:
5 h 08 min
